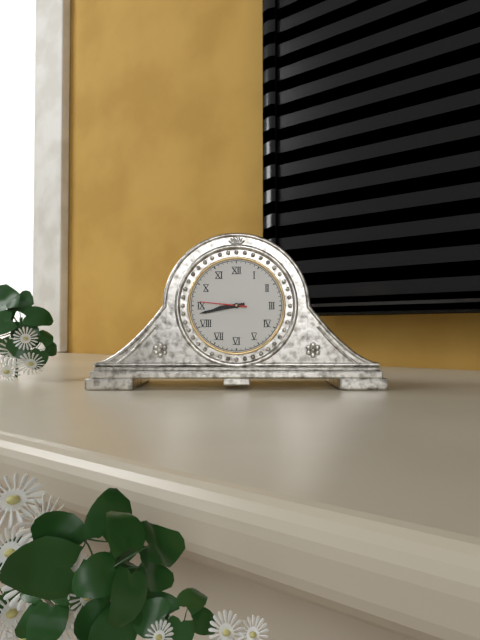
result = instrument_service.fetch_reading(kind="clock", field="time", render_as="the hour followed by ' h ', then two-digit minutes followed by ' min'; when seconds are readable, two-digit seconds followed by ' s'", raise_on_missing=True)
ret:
8 h 43 min
